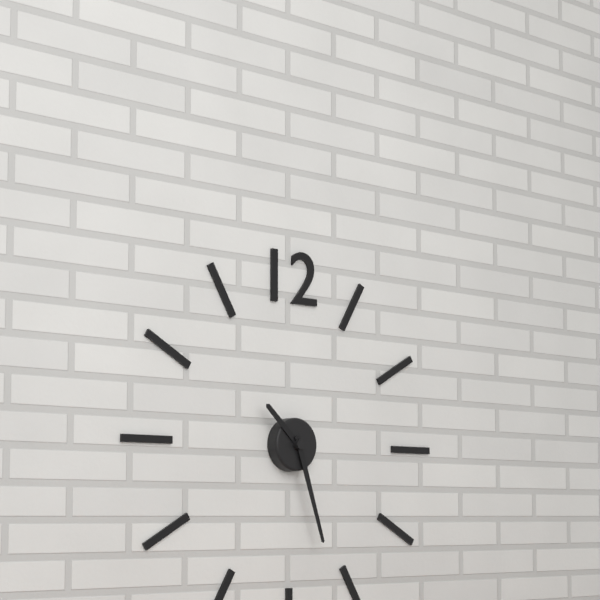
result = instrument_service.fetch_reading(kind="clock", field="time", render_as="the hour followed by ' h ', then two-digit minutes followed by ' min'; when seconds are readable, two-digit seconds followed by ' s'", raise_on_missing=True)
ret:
10 h 27 min
